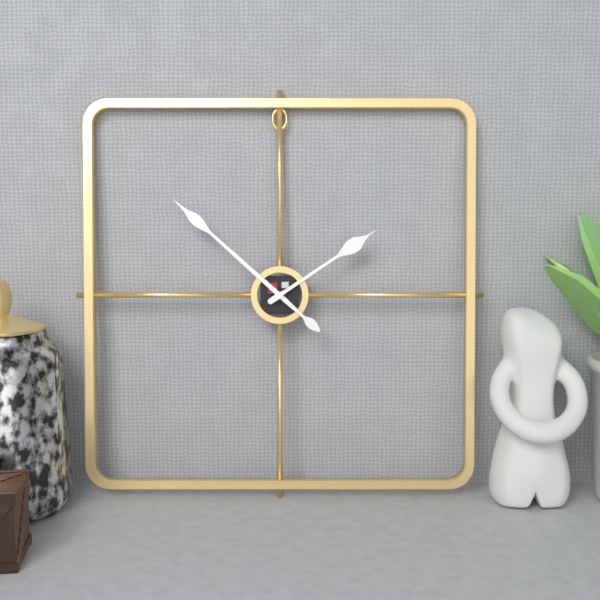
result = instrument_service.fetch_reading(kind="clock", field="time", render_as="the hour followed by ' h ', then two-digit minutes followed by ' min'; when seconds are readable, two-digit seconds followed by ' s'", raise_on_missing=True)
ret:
1 h 52 min
